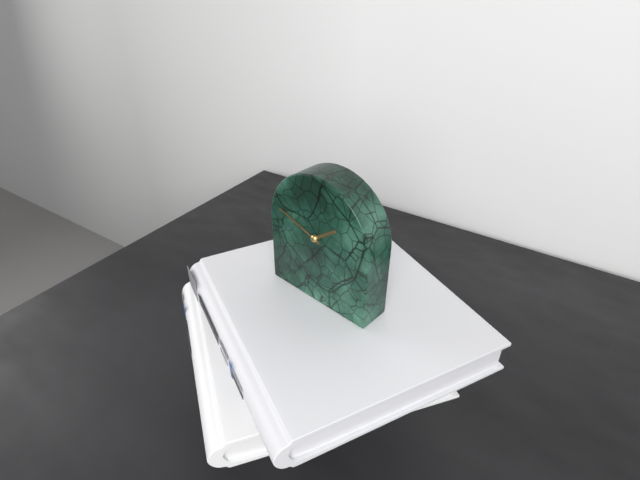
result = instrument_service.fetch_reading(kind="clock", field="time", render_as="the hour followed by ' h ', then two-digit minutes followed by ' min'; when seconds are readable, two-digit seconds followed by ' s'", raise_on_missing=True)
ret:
1 h 48 min
